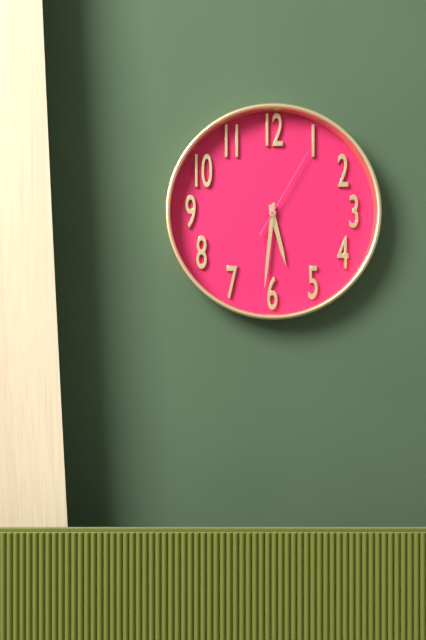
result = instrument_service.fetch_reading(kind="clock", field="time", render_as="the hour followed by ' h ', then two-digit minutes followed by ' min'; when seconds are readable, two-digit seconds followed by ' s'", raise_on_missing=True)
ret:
5 h 31 min 05 s
